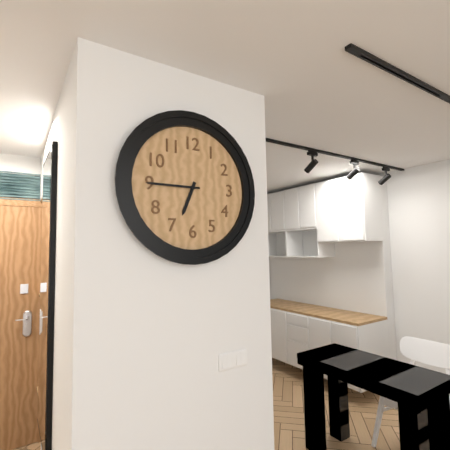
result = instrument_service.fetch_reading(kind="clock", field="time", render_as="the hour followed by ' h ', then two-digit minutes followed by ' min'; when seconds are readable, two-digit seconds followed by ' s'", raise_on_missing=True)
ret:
6 h 45 min
